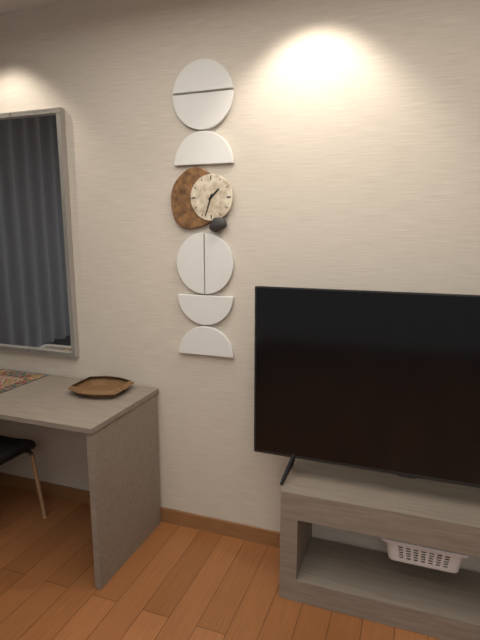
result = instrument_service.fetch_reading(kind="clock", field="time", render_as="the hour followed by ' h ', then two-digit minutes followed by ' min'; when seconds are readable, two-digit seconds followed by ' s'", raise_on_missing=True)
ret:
1 h 33 min
